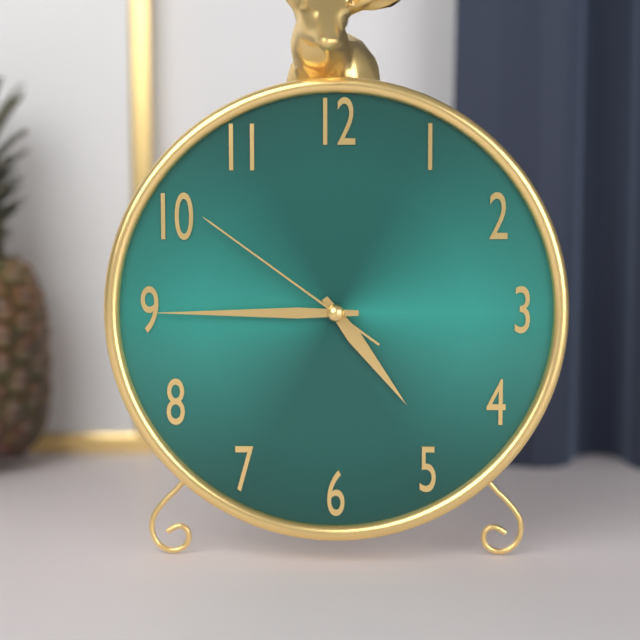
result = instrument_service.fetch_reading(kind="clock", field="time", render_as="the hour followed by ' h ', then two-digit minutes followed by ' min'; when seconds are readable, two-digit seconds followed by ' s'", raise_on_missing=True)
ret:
4 h 45 min 51 s
